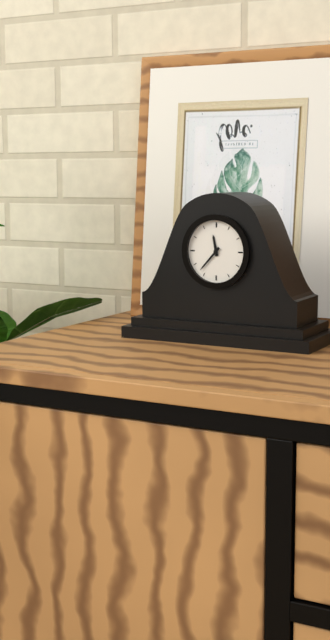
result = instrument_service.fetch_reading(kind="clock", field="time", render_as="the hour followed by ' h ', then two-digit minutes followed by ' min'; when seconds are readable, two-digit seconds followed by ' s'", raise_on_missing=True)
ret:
11 h 37 min
